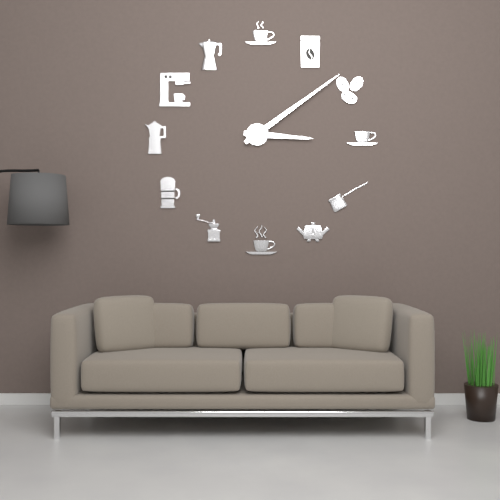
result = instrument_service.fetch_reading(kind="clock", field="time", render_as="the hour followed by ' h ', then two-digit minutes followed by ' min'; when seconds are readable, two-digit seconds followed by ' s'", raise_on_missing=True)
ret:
3 h 09 min
